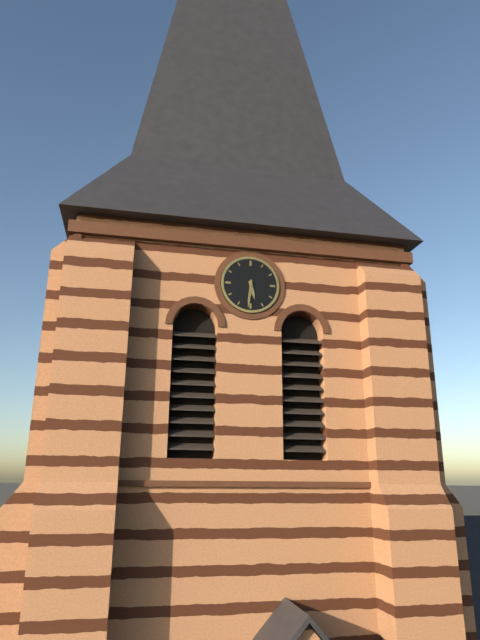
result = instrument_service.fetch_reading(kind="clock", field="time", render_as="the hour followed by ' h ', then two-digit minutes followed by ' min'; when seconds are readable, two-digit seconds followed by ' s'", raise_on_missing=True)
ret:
5 h 31 min
